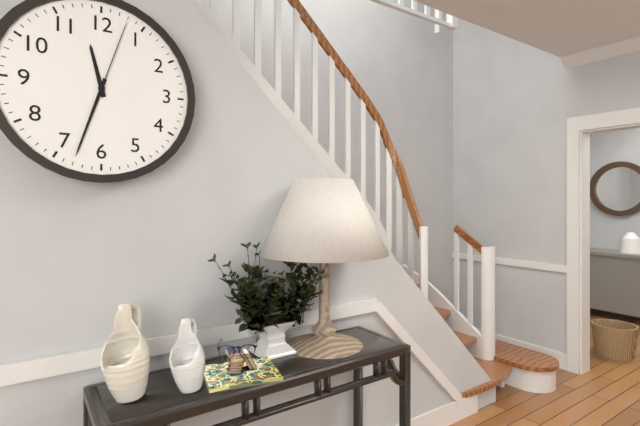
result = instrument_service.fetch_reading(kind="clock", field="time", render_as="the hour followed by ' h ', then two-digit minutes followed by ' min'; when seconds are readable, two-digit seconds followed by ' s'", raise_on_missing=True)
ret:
11 h 33 min 03 s
